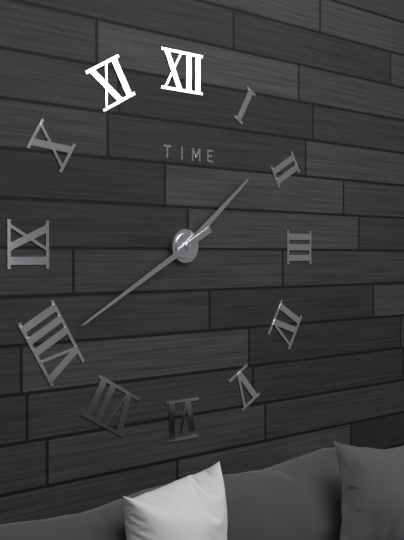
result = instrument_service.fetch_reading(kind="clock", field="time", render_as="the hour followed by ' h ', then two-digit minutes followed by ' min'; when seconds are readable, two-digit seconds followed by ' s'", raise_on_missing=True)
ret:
1 h 40 min
